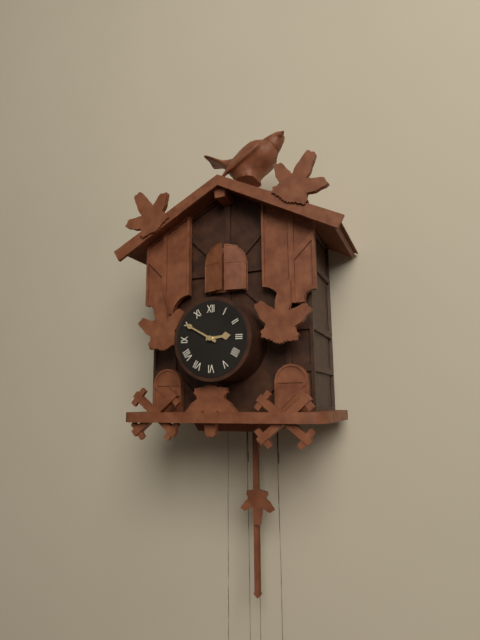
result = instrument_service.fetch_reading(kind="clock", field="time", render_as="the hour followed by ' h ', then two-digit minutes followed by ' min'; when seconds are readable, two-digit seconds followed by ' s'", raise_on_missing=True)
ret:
2 h 50 min
